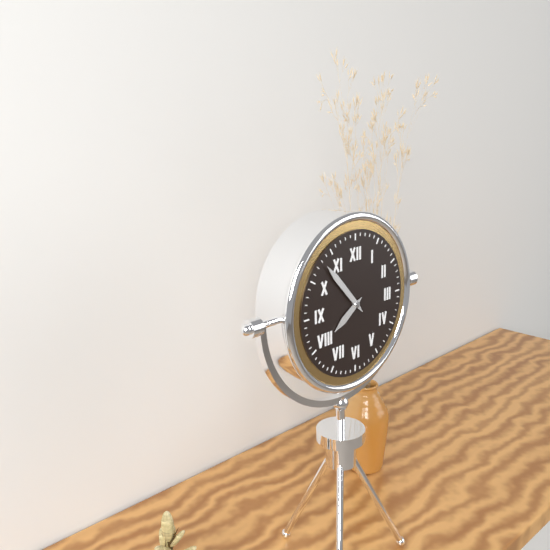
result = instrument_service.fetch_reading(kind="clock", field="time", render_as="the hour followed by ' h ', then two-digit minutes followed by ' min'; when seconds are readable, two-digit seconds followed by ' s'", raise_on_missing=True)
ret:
7 h 53 min
